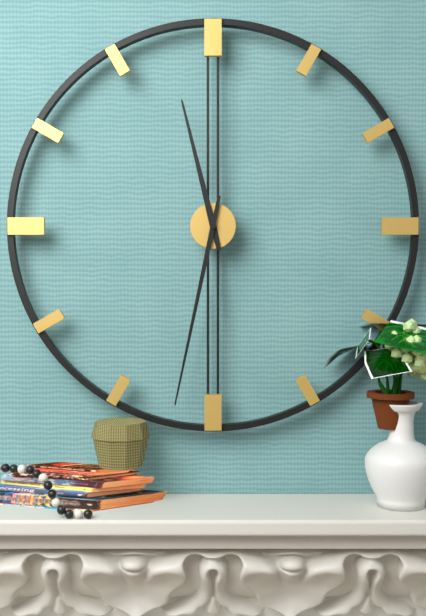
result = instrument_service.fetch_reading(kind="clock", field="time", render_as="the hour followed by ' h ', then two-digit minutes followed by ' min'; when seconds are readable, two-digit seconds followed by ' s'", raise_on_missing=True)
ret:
11 h 32 min
